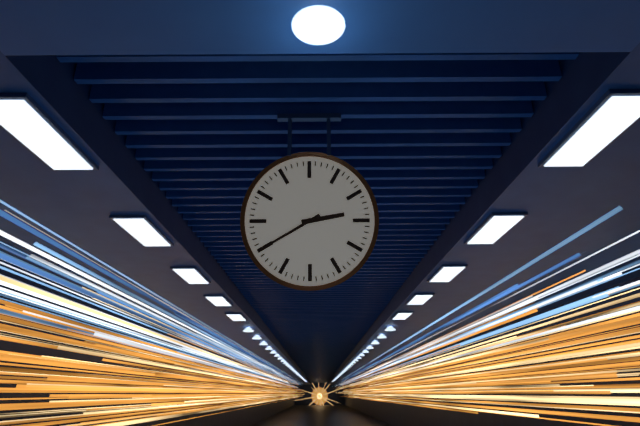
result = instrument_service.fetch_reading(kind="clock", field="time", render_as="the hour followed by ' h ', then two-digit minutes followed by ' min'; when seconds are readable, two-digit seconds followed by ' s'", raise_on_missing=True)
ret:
2 h 40 min
